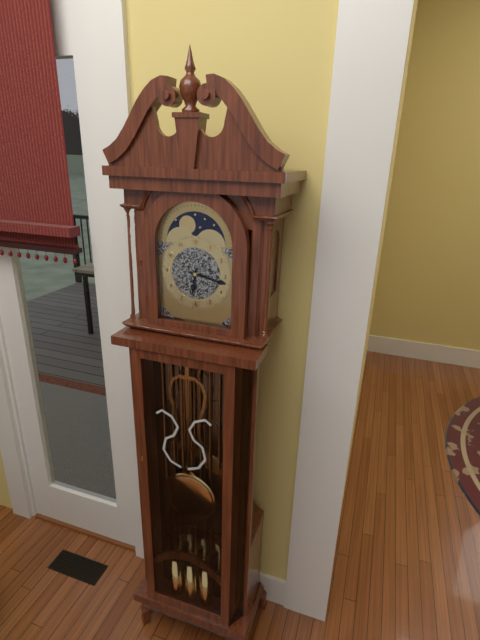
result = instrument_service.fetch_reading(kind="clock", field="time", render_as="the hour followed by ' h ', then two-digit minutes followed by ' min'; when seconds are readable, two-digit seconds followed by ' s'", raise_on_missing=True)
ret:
6 h 17 min
